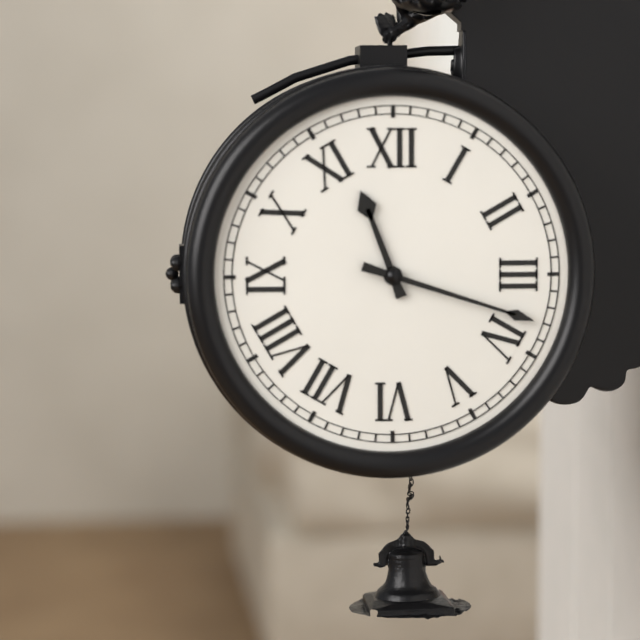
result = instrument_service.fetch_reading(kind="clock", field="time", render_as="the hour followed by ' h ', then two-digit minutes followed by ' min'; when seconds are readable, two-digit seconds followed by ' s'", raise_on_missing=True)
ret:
11 h 18 min
